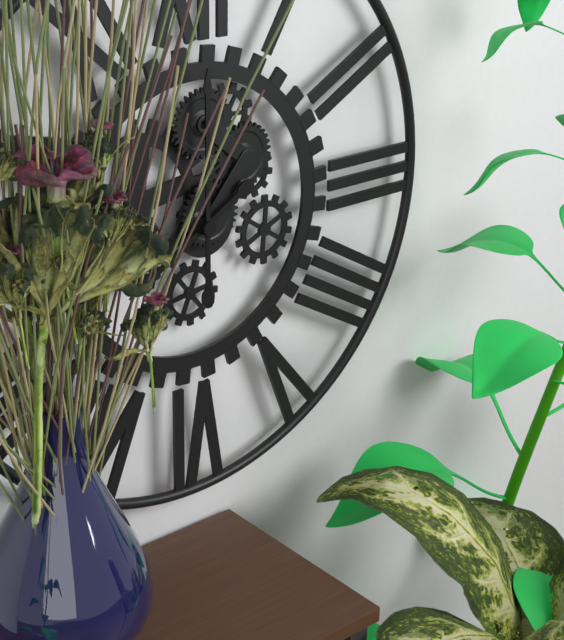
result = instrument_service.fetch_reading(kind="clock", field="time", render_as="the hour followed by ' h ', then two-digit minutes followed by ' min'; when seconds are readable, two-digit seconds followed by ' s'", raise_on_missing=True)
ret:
8 h 00 min
